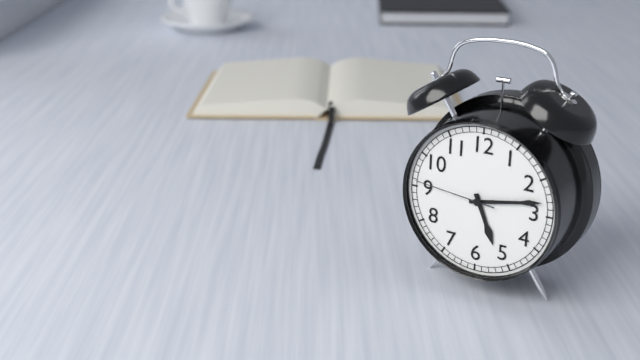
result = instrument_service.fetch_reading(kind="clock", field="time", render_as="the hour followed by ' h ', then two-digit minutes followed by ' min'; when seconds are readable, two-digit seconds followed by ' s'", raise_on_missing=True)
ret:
5 h 13 min 46 s
